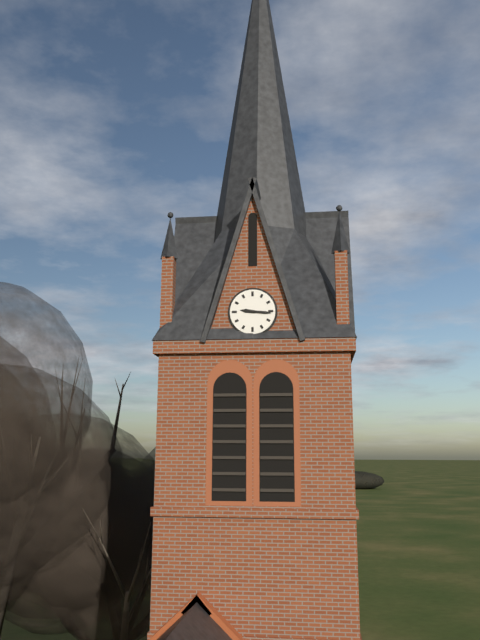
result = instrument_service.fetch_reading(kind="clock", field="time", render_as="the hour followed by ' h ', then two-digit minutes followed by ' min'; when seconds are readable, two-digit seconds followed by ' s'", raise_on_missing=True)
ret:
9 h 16 min
